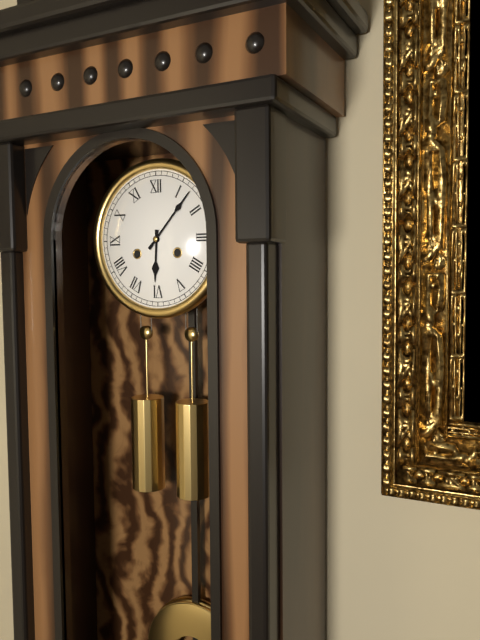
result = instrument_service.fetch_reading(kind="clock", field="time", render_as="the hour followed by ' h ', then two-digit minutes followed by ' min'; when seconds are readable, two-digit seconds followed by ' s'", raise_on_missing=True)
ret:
6 h 07 min
